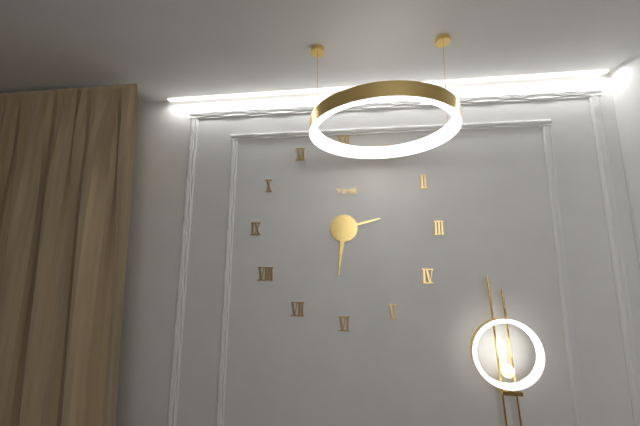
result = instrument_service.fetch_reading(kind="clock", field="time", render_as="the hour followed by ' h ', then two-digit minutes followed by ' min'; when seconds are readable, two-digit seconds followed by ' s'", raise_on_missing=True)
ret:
2 h 31 min
